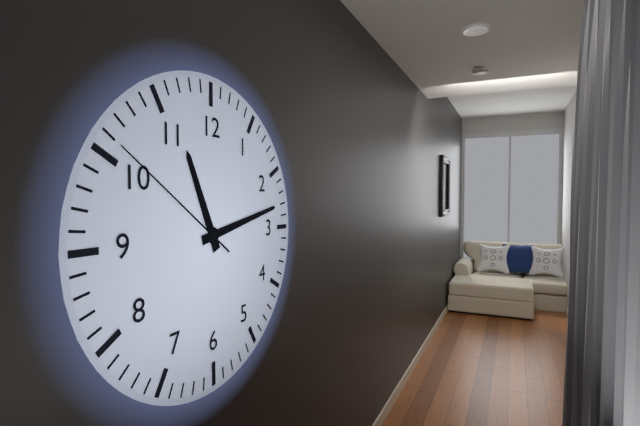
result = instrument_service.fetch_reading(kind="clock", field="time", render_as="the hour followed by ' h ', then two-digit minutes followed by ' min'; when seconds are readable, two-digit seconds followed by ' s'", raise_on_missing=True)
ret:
11 h 13 min 51 s
